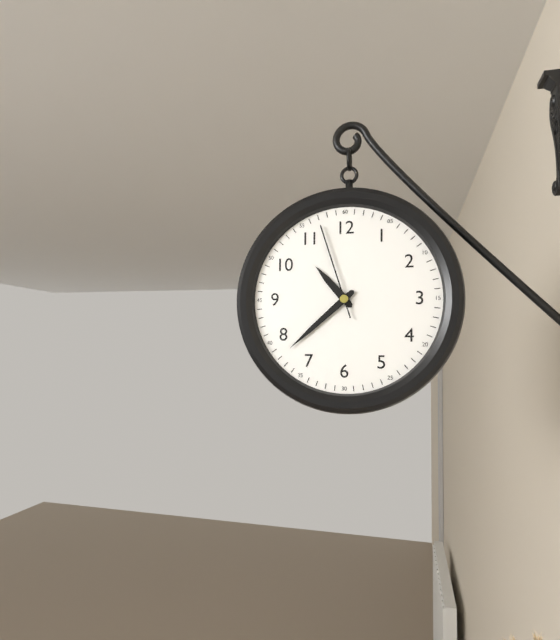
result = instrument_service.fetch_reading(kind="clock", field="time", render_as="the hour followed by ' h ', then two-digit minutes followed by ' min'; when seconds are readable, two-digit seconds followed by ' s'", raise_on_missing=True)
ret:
10 h 38 min 57 s
